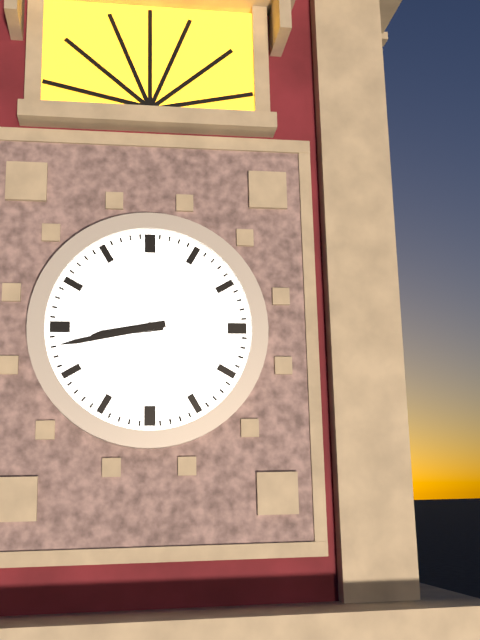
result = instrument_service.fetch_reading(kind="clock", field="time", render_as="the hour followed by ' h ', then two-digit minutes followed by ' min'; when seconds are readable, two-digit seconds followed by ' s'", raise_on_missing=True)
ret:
8 h 43 min
